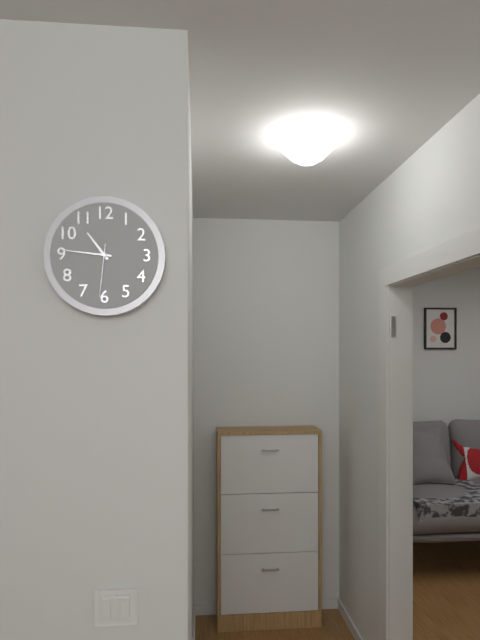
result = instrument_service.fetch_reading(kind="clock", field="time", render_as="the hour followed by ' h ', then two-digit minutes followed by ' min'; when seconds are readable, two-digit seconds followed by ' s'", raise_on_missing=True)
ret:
10 h 46 min 31 s
